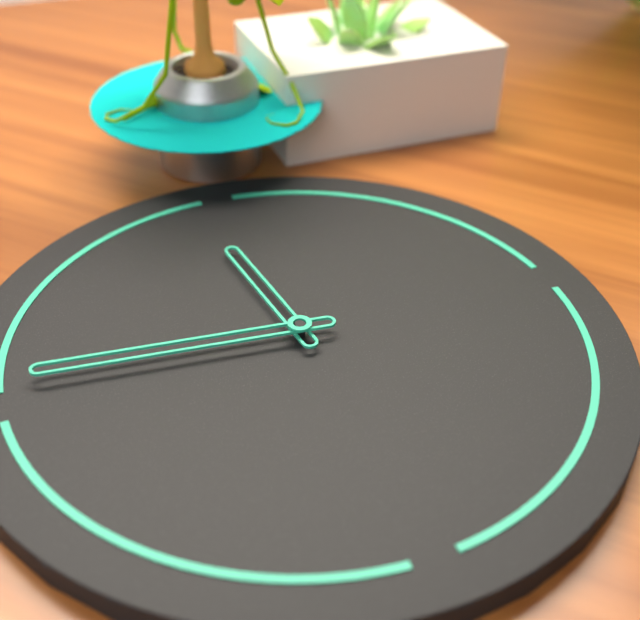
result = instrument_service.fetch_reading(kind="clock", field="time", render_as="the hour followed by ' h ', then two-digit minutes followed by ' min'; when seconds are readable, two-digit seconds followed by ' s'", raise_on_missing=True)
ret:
11 h 46 min
